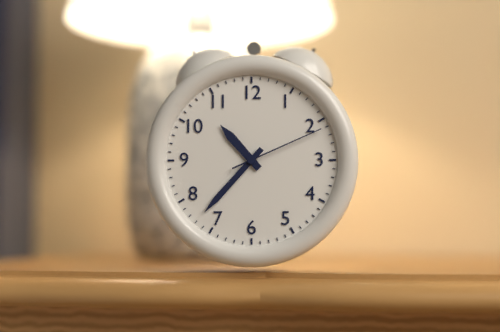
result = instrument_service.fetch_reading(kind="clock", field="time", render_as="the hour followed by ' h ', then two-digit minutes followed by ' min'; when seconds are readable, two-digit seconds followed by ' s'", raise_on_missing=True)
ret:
10 h 37 min 11 s
